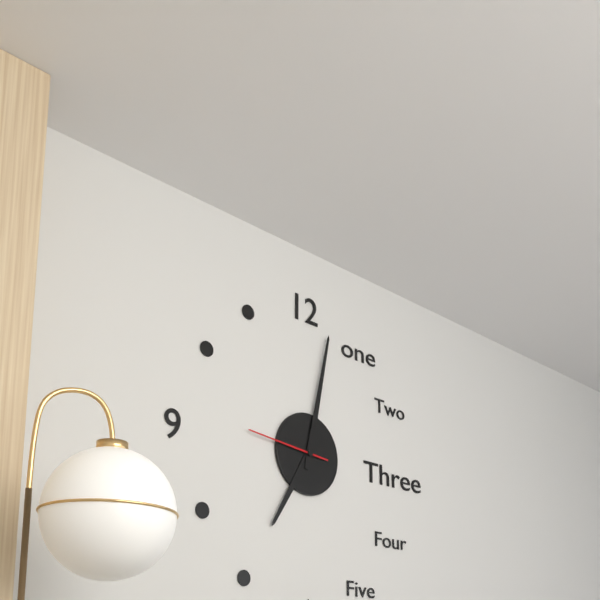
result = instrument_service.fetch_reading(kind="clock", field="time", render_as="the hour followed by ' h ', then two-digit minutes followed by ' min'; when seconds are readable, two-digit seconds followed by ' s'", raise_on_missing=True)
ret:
7 h 02 min 46 s
